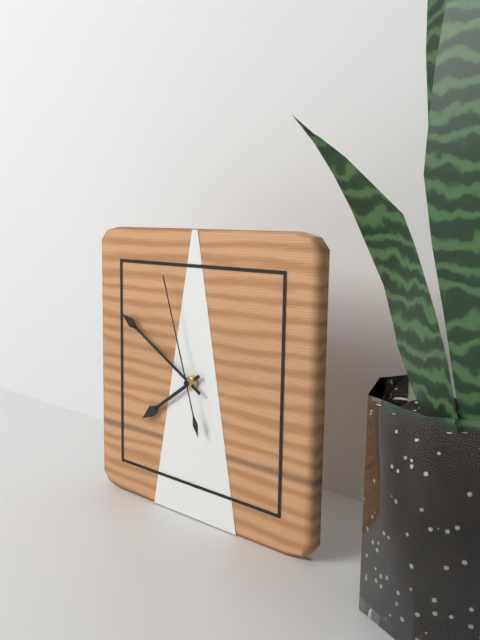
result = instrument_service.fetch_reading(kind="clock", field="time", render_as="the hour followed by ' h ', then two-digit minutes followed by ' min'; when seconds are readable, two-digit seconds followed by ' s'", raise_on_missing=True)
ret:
7 h 50 min 57 s
